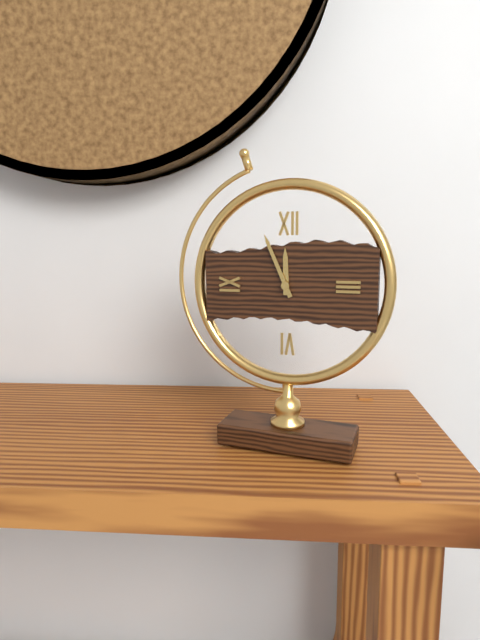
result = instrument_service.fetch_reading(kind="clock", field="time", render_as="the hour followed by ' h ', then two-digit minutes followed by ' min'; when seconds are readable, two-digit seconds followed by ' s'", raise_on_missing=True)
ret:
11 h 56 min
